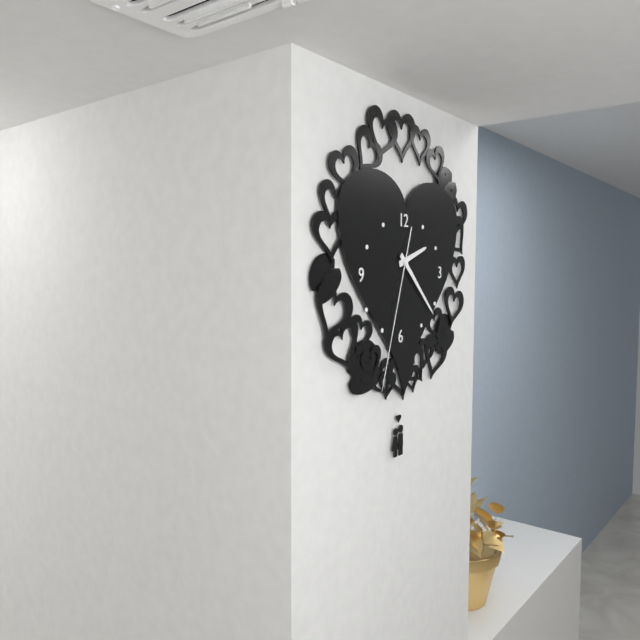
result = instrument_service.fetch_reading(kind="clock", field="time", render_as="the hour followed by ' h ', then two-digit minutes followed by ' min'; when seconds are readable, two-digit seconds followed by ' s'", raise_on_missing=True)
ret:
2 h 22 min 33 s
